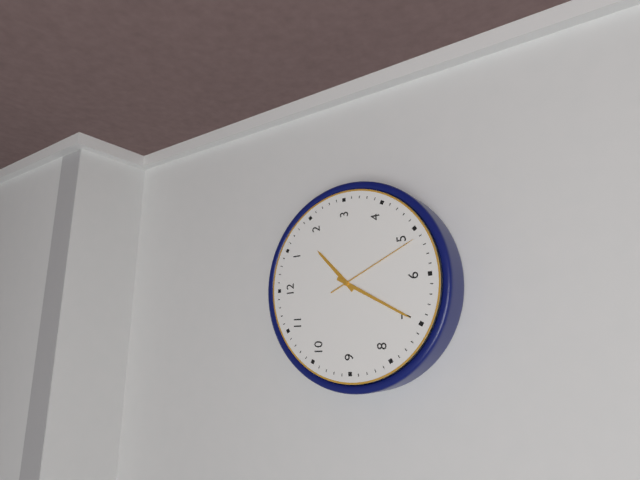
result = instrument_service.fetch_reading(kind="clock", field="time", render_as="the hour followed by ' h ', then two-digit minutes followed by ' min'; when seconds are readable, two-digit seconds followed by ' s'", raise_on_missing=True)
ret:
1 h 35 min 26 s
